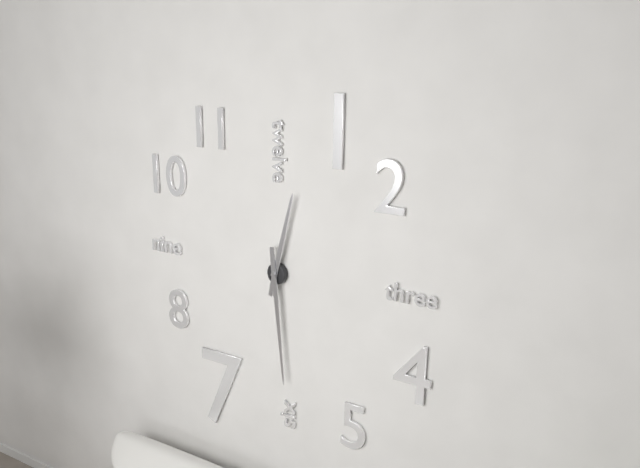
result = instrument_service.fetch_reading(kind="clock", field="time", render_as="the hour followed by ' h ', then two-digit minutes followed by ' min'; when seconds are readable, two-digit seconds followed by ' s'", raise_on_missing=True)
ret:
12 h 29 min
